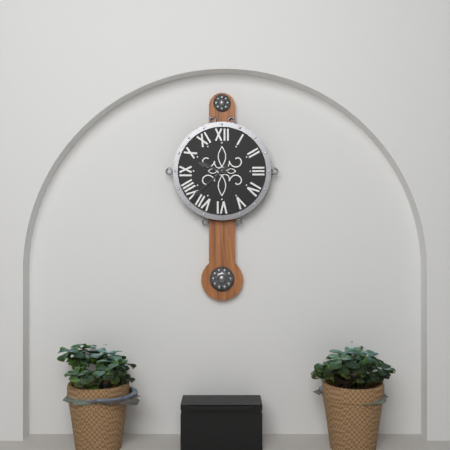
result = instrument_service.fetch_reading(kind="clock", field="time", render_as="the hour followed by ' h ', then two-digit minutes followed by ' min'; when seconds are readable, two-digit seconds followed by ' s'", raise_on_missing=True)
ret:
9 h 38 min
